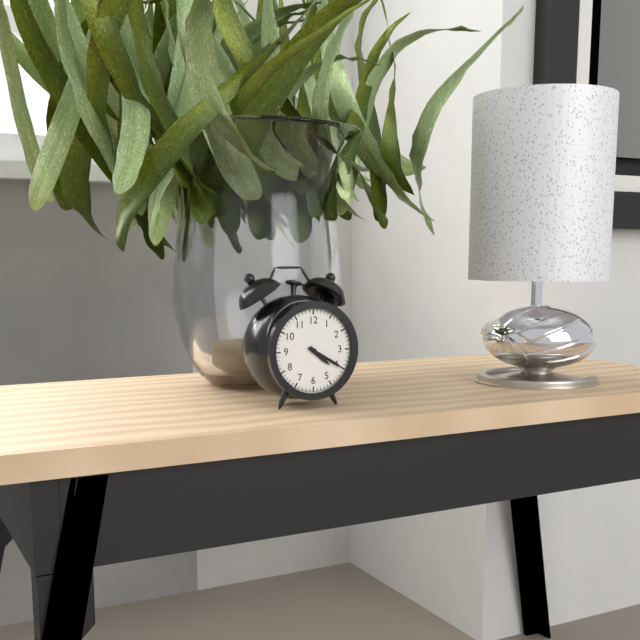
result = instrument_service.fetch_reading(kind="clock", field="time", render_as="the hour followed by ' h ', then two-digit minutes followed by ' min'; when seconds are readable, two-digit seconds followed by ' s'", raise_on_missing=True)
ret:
4 h 20 min
